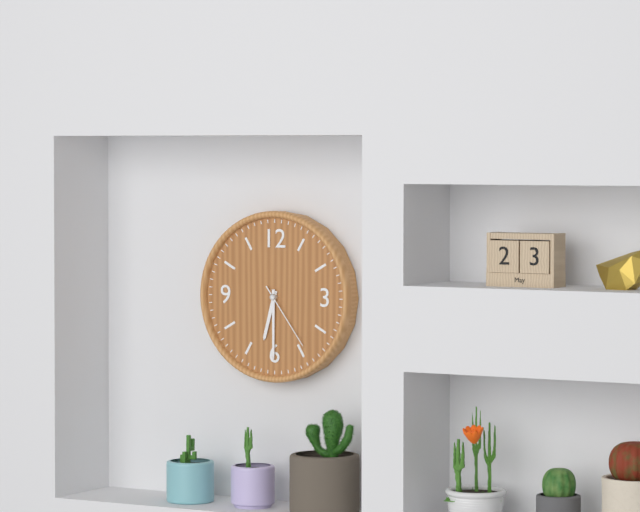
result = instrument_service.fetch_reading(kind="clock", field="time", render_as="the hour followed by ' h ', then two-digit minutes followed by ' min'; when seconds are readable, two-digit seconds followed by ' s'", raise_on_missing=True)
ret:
6 h 30 min 24 s
